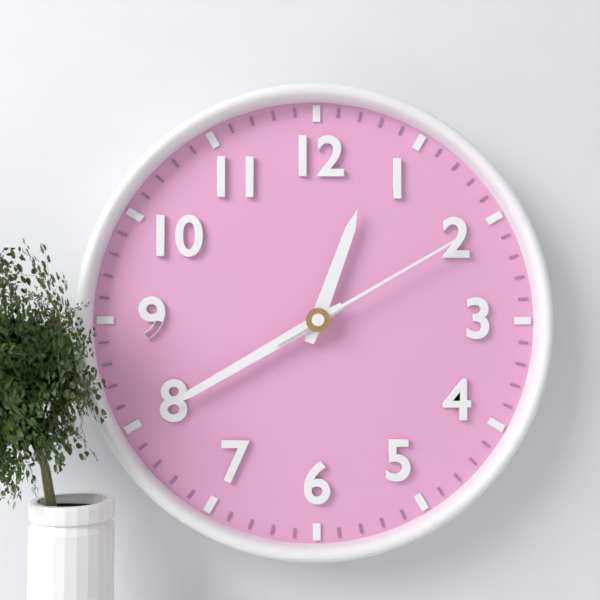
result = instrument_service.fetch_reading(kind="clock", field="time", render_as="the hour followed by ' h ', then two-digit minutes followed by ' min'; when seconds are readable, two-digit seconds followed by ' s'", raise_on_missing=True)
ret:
12 h 40 min 10 s
